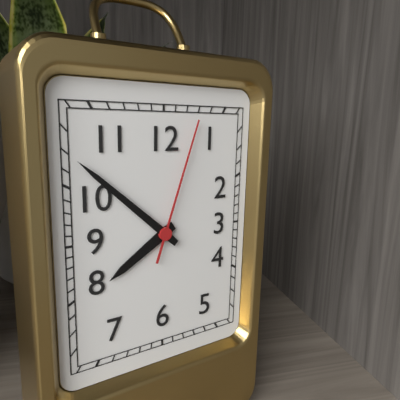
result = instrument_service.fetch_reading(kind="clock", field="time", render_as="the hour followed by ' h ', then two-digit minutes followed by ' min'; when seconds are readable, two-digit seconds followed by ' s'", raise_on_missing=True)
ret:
7 h 52 min 03 s
